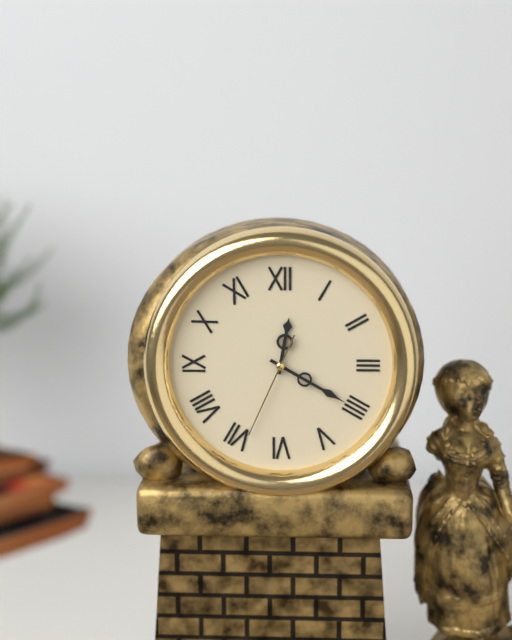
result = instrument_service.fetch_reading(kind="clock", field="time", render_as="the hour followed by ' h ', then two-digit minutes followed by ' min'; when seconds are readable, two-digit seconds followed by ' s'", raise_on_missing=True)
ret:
12 h 20 min 34 s
